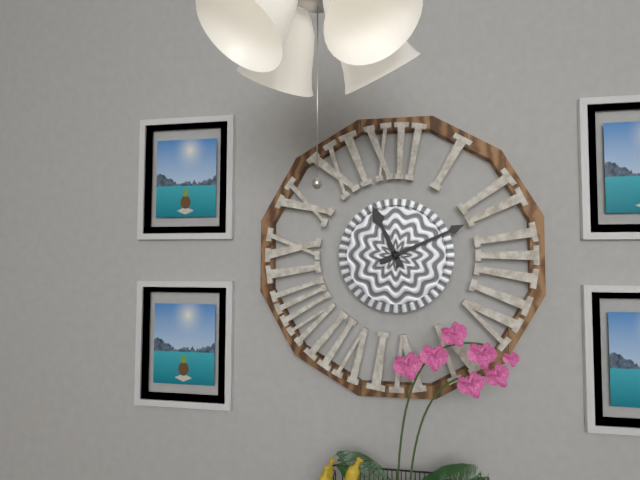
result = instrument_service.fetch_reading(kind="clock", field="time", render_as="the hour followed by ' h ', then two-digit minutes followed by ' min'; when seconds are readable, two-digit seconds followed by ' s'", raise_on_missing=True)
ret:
11 h 11 min
